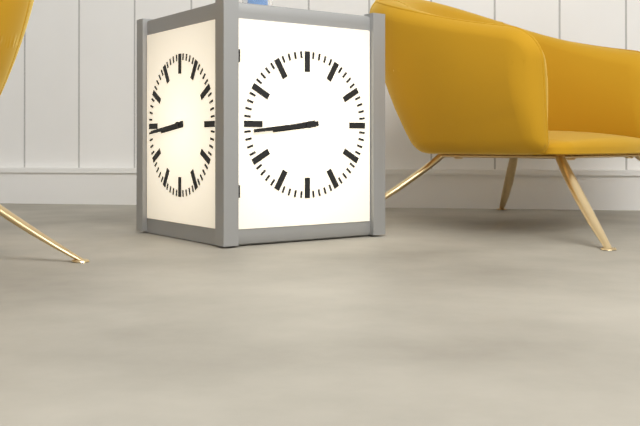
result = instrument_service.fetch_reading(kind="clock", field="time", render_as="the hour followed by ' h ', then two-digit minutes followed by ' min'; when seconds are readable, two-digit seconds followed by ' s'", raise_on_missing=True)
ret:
8 h 44 min
